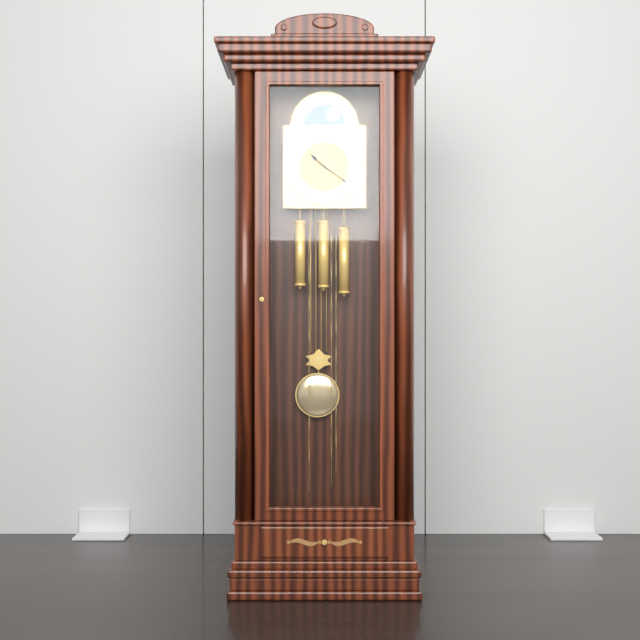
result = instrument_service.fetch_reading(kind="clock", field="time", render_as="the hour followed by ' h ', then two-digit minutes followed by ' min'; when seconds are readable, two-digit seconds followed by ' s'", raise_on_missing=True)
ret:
10 h 21 min
